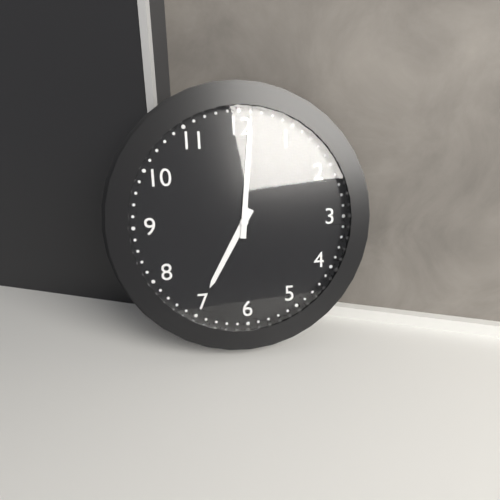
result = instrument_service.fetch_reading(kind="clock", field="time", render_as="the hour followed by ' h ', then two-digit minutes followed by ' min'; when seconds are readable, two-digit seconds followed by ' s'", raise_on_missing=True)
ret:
7 h 01 min
